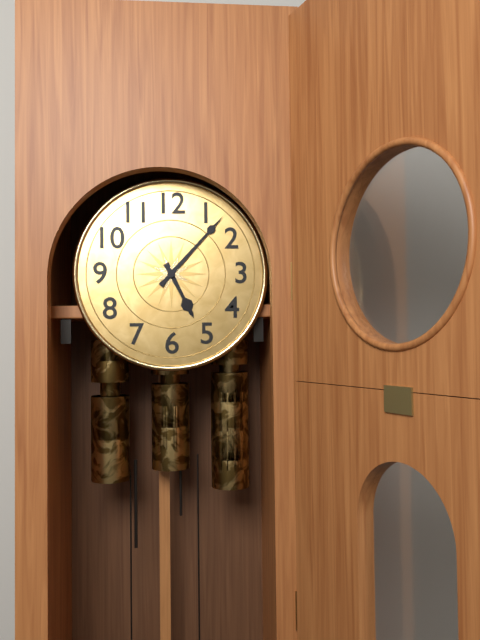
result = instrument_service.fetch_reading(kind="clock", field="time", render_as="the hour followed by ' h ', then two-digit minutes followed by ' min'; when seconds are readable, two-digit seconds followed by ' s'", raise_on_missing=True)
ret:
5 h 07 min
